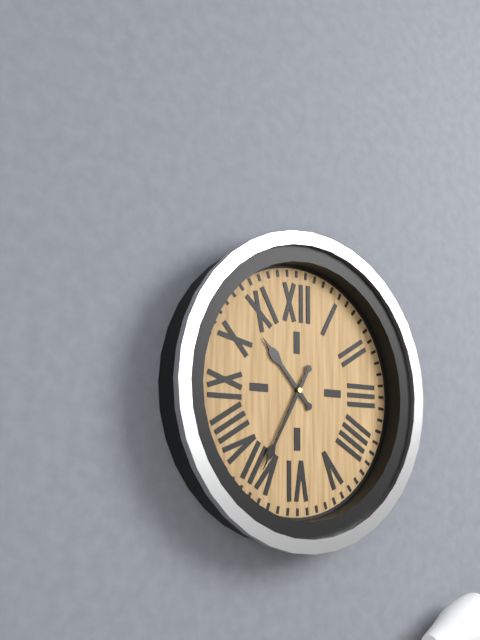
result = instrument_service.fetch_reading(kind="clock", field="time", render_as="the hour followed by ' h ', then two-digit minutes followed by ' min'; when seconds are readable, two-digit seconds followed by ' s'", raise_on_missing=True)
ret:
10 h 35 min
